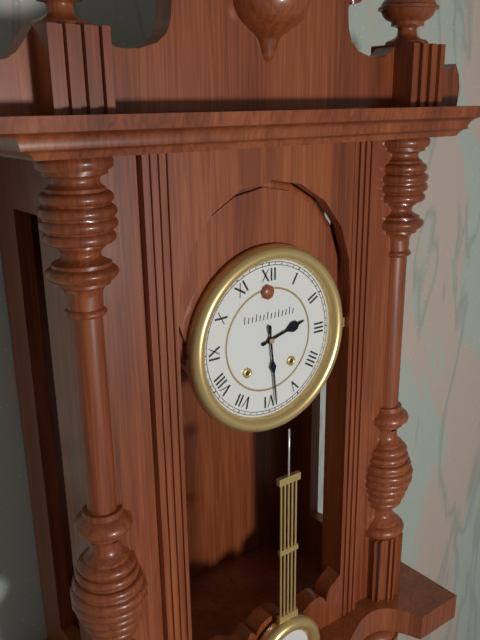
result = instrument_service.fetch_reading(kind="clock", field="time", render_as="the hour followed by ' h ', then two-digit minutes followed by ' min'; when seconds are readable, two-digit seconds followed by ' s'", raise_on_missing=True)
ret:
2 h 29 min
